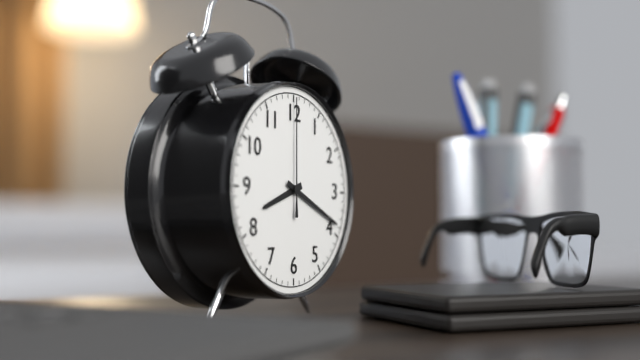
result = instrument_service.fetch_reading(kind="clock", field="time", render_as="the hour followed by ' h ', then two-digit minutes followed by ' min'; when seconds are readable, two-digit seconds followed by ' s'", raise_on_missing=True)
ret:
8 h 19 min 00 s
